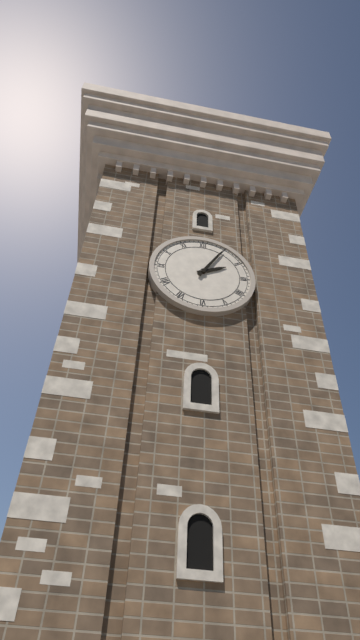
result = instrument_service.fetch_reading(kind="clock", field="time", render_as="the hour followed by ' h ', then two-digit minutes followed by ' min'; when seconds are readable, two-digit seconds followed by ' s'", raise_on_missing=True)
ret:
2 h 05 min
